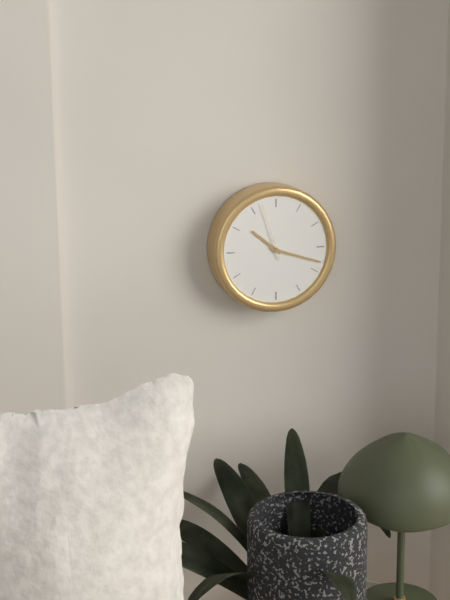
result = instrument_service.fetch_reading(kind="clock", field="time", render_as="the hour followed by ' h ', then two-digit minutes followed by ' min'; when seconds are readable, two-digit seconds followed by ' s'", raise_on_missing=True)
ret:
10 h 18 min 57 s
